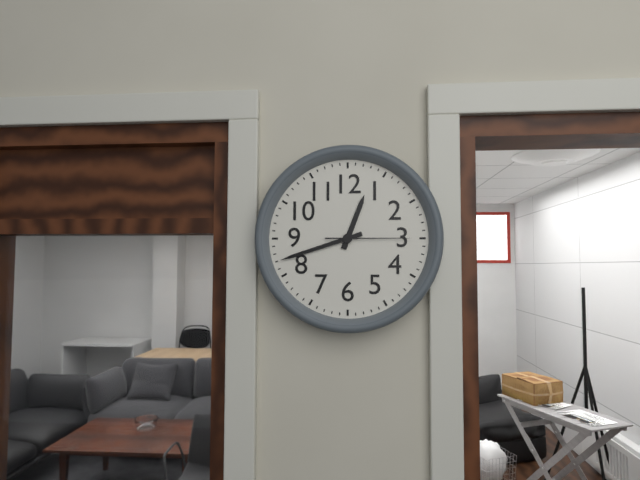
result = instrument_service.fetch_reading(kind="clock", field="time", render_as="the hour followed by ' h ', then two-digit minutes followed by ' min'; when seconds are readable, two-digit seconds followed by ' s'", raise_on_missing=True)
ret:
12 h 42 min 15 s
